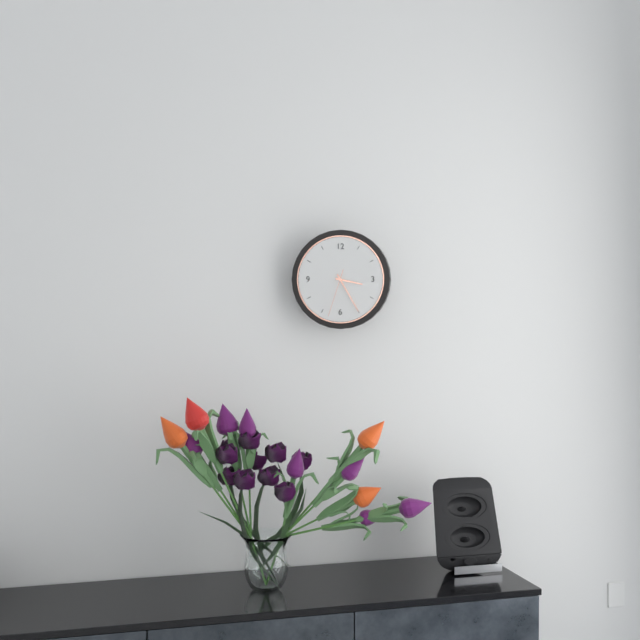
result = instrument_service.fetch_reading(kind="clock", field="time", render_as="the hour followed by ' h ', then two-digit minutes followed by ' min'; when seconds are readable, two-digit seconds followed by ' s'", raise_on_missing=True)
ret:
3 h 25 min
